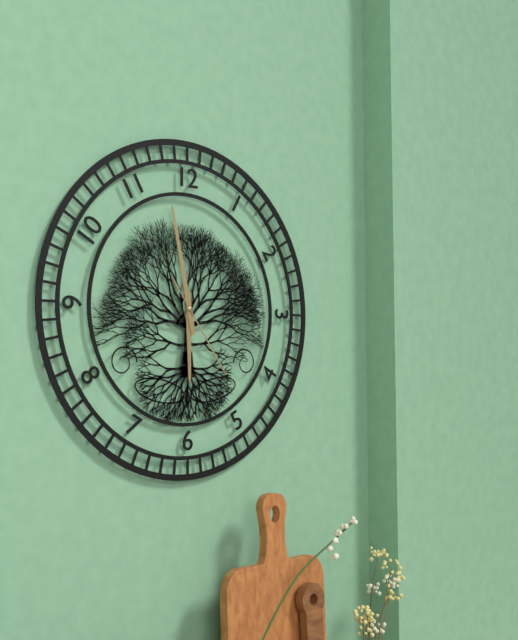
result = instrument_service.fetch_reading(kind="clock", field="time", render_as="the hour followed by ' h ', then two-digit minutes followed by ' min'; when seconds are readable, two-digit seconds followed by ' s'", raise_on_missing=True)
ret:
5 h 58 min 24 s
